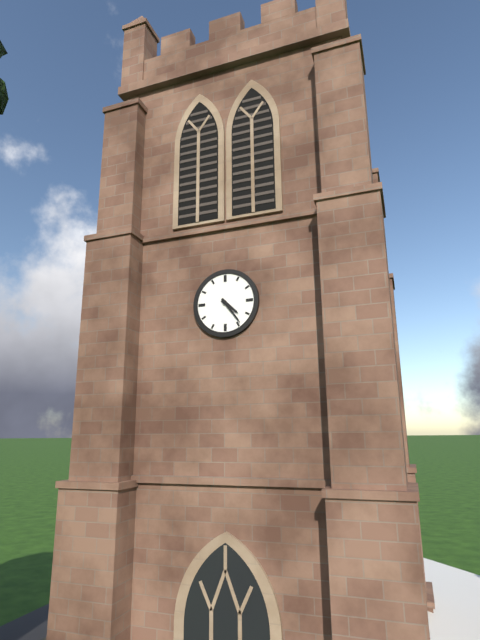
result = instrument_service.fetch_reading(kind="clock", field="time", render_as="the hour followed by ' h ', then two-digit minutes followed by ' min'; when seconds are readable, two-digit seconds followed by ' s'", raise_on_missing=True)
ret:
4 h 24 min
